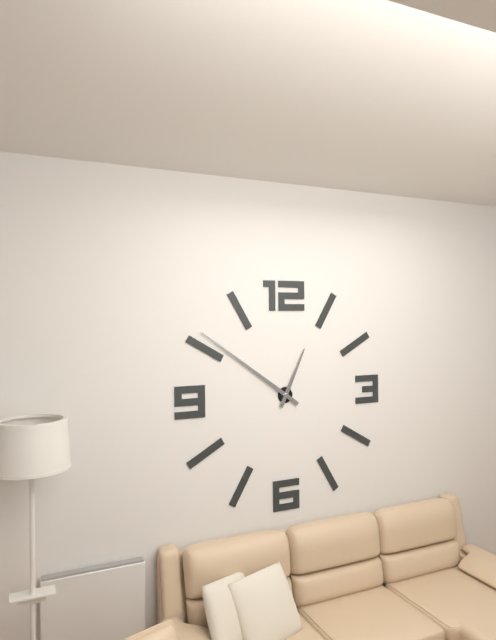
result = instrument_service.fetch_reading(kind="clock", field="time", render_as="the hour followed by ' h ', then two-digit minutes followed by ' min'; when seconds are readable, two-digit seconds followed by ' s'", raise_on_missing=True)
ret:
12 h 51 min
